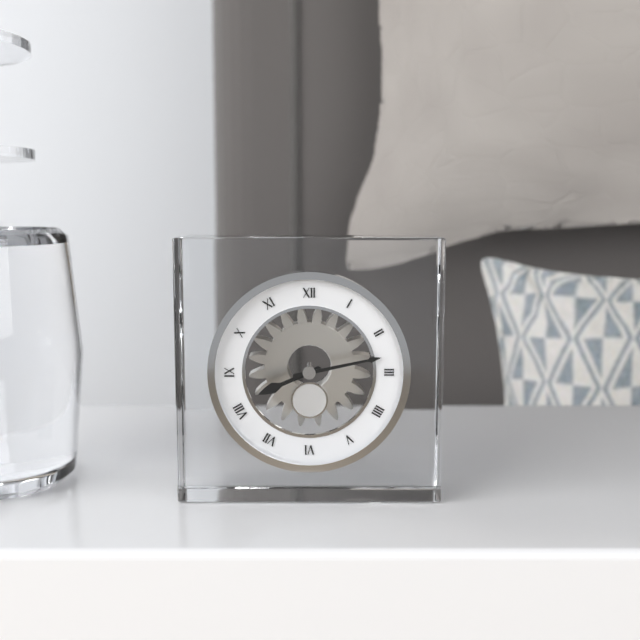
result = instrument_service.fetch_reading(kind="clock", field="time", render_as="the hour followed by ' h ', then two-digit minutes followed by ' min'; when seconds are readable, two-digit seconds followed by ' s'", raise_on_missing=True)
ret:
8 h 13 min
